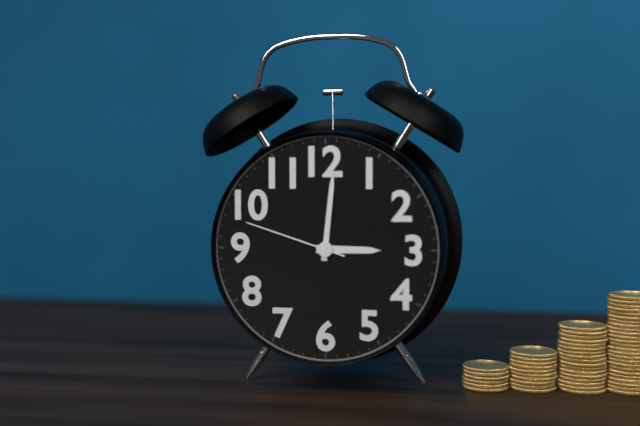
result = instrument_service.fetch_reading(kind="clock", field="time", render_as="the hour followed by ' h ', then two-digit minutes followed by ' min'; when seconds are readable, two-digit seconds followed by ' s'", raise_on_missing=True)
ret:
3 h 01 min 48 s
